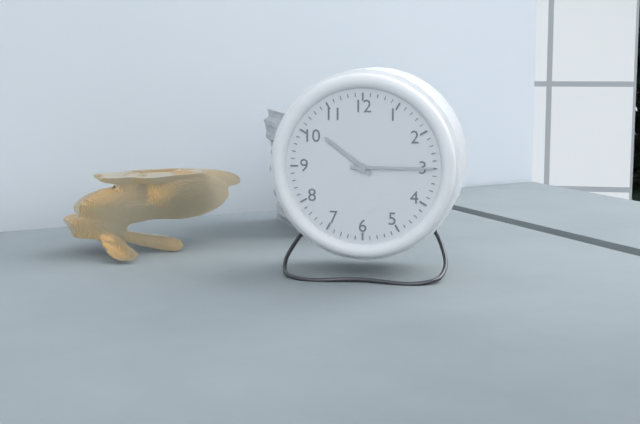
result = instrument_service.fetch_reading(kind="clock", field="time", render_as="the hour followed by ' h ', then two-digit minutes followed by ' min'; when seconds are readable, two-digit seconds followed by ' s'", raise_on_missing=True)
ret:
10 h 15 min
